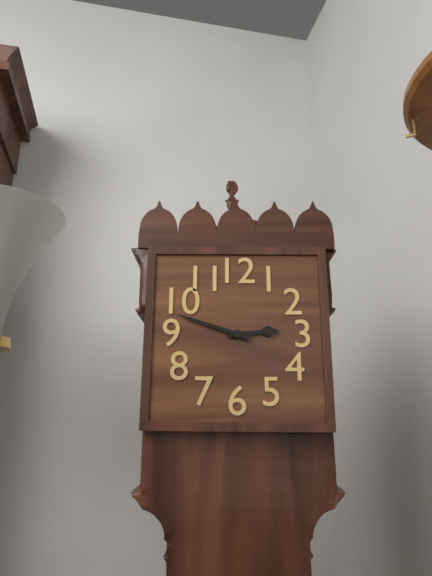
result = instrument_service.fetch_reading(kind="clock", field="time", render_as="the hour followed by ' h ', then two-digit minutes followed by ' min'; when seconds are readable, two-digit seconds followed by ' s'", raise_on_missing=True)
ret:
2 h 48 min
